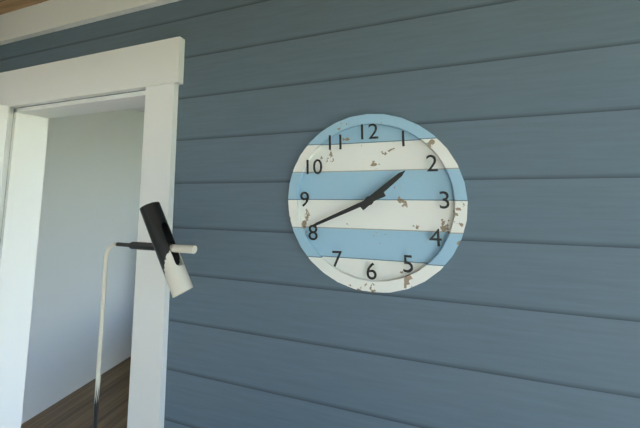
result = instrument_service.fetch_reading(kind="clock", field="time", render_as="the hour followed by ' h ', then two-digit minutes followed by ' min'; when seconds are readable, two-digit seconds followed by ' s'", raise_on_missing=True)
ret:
1 h 41 min
